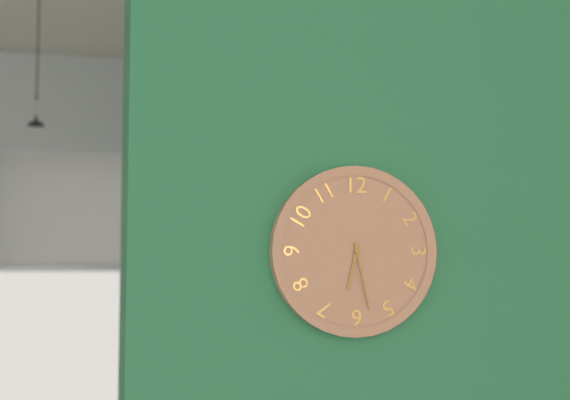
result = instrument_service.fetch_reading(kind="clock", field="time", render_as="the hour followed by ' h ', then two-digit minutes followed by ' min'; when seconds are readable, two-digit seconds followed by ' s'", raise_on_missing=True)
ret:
6 h 28 min
